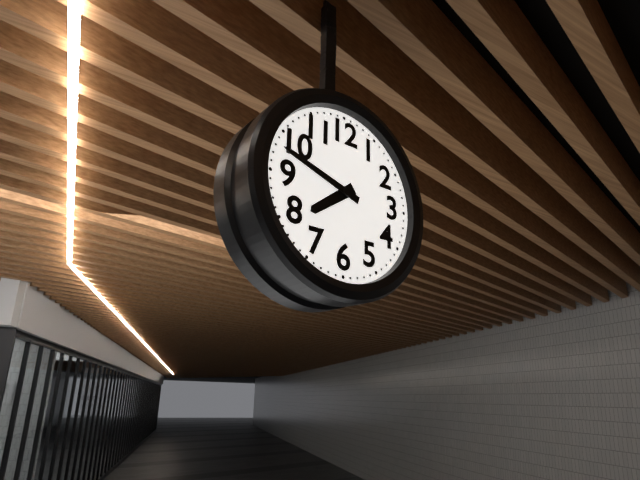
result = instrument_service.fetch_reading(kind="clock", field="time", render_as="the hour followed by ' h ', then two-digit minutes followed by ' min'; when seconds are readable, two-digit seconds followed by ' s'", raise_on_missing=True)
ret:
7 h 48 min
